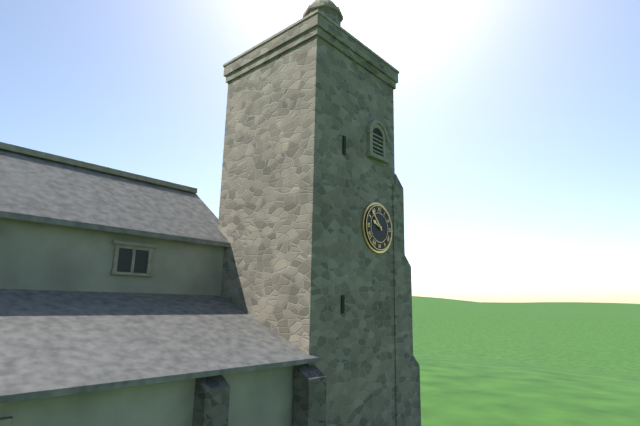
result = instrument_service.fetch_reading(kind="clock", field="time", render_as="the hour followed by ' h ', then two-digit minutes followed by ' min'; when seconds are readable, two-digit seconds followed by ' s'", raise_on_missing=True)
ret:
9 h 53 min
